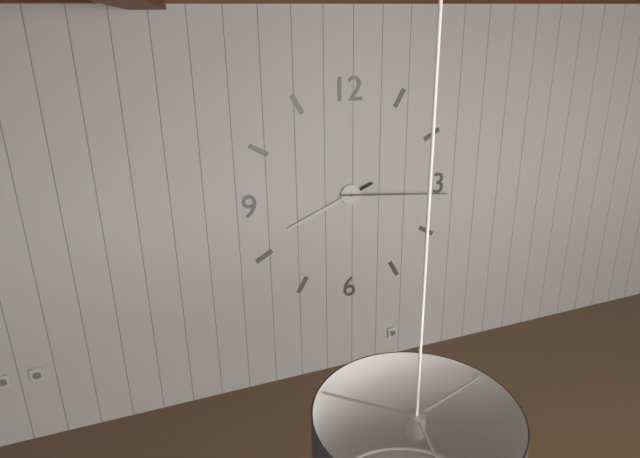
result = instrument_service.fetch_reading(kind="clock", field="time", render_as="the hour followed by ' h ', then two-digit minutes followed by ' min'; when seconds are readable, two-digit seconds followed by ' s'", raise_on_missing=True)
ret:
8 h 16 min
